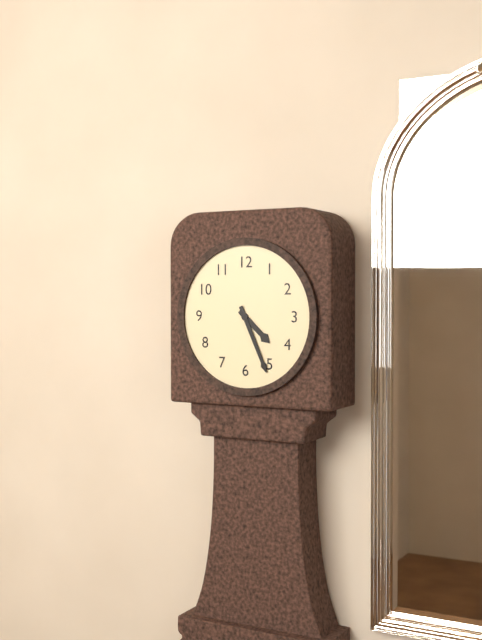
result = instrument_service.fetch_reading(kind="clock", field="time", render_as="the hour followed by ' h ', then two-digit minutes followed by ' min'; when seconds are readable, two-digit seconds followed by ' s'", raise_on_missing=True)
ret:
4 h 26 min
